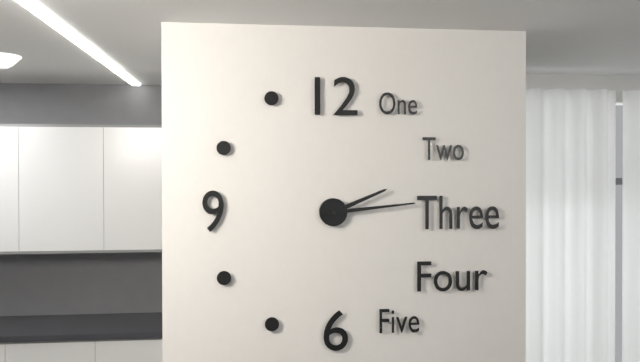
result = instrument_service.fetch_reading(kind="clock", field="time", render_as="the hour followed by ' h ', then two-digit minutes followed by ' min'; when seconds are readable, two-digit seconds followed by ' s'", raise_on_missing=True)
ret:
2 h 14 min
